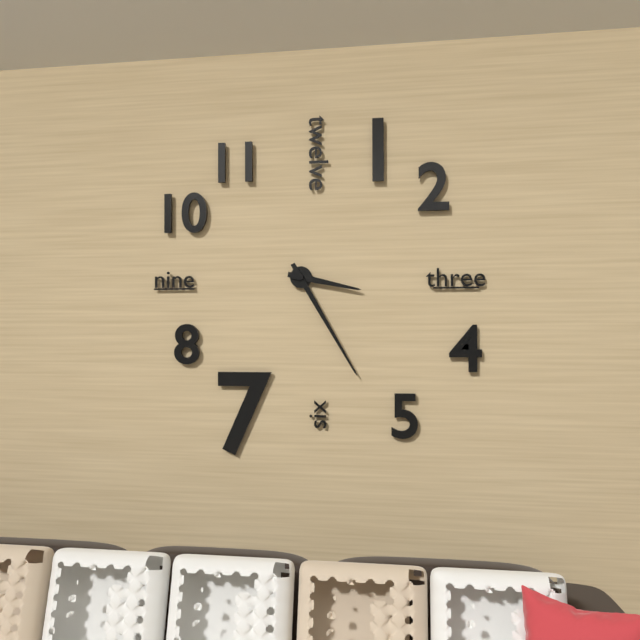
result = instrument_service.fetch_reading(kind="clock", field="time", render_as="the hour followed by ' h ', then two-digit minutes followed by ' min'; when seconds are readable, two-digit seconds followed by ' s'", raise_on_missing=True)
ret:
3 h 25 min
